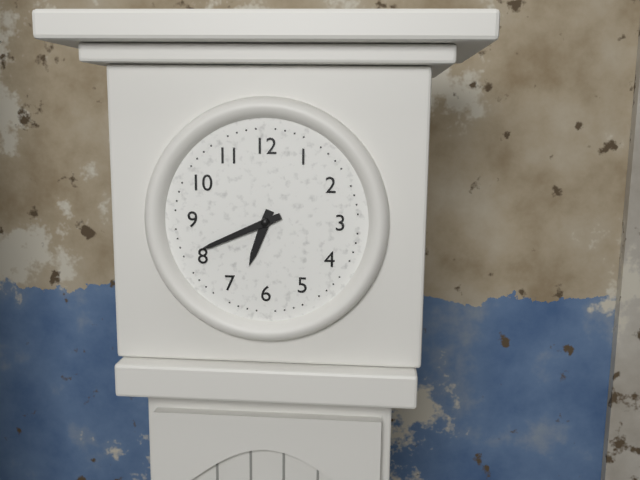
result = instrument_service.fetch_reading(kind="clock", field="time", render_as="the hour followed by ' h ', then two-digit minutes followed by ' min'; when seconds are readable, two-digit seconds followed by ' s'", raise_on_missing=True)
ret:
6 h 41 min
